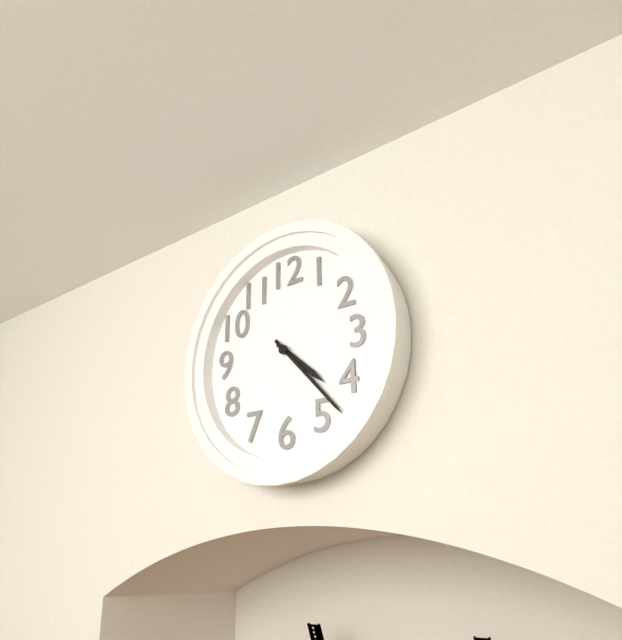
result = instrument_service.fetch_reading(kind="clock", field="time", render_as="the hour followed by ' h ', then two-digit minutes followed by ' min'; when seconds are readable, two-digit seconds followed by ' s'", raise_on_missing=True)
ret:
4 h 23 min
